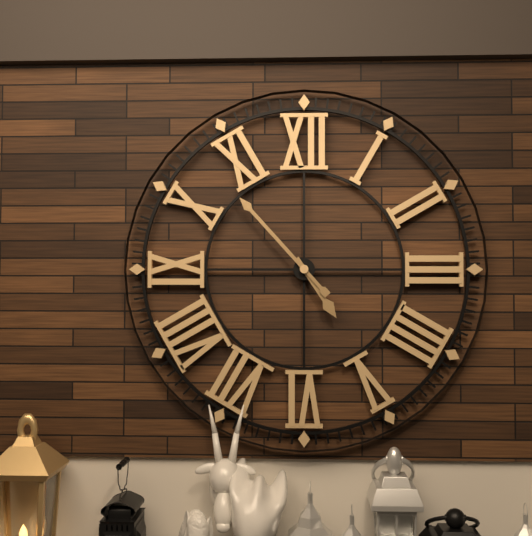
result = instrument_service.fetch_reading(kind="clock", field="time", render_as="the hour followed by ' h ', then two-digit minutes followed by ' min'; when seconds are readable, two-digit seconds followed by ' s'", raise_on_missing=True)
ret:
4 h 53 min
